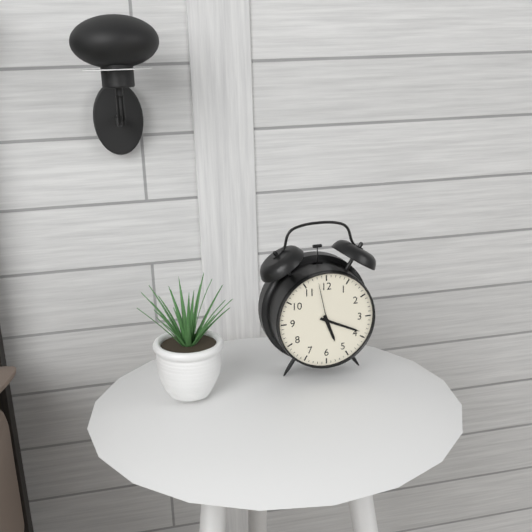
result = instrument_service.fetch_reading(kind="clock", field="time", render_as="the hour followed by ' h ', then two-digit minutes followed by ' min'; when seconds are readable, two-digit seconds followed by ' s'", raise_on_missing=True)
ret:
5 h 19 min
